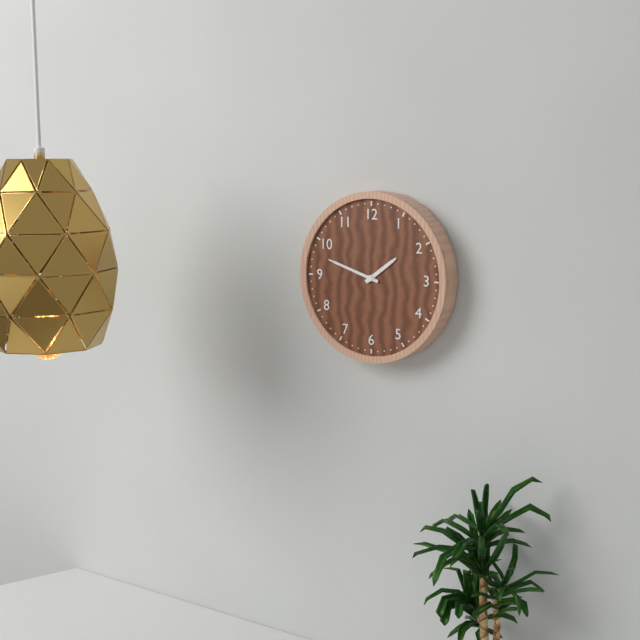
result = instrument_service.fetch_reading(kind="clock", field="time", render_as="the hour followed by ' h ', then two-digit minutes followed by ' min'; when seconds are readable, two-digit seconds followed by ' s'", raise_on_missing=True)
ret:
1 h 48 min
